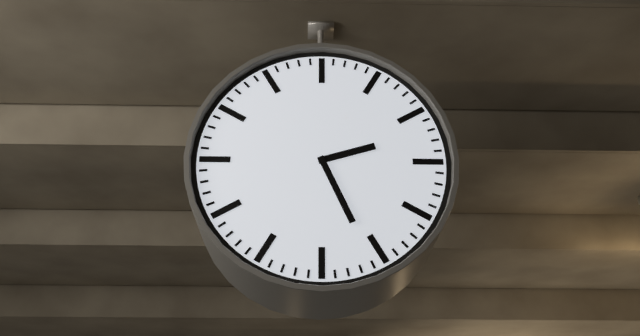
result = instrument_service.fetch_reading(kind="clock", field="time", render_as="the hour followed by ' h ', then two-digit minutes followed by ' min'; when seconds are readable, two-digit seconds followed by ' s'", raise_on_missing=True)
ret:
2 h 26 min
